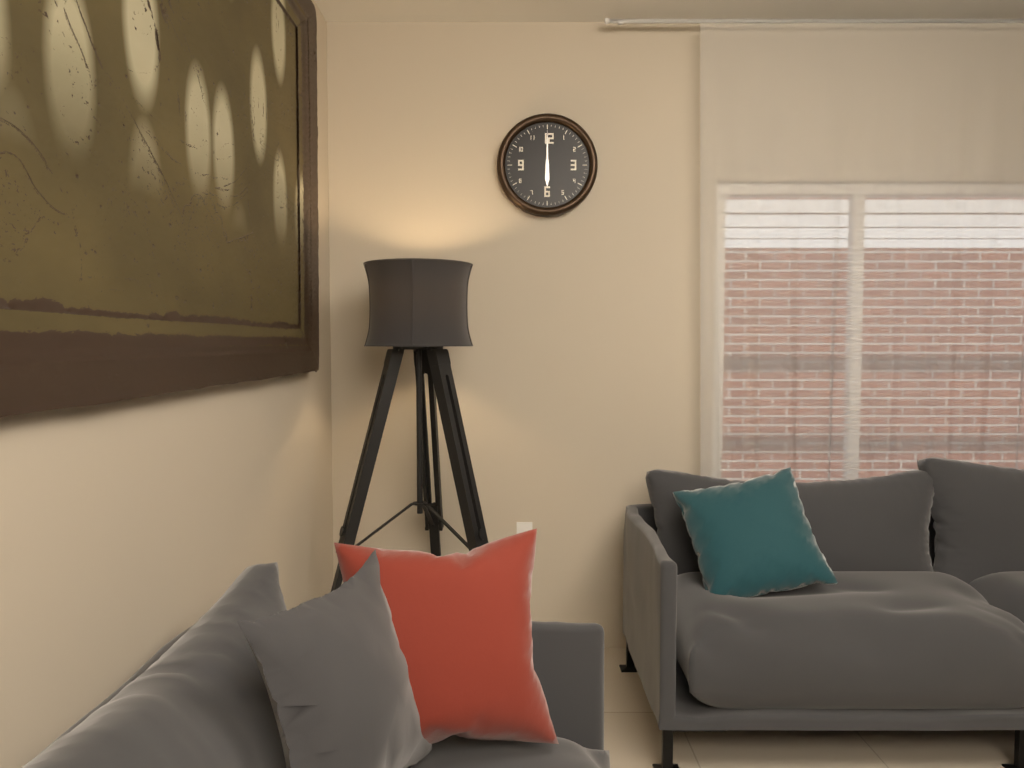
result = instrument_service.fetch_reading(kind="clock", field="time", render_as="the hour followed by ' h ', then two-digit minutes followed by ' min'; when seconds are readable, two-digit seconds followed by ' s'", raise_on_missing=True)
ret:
6 h 00 min
